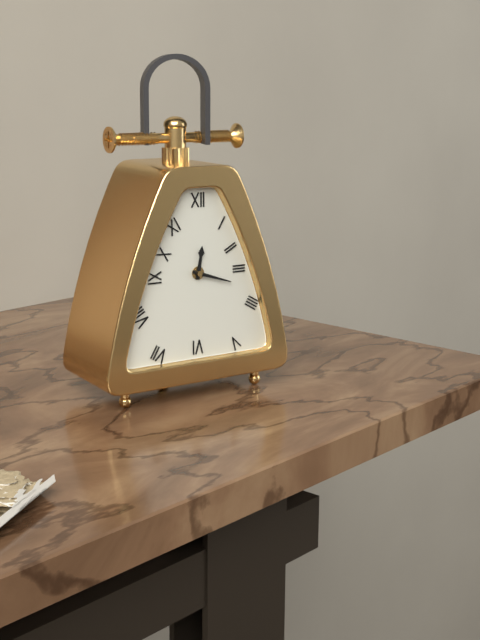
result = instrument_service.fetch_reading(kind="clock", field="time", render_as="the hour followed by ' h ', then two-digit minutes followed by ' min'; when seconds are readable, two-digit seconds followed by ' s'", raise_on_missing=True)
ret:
12 h 18 min
